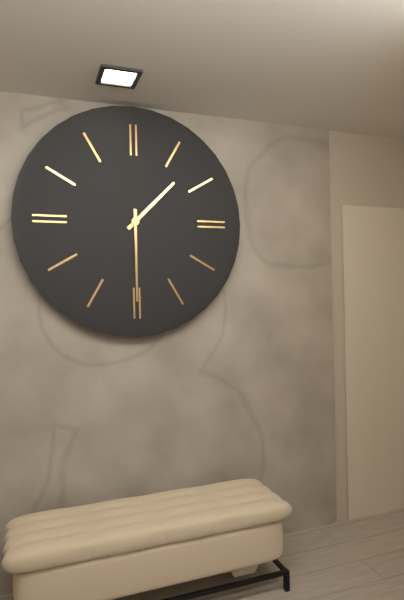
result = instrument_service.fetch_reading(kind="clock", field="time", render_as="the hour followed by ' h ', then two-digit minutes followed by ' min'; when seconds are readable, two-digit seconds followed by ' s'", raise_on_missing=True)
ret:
1 h 30 min
